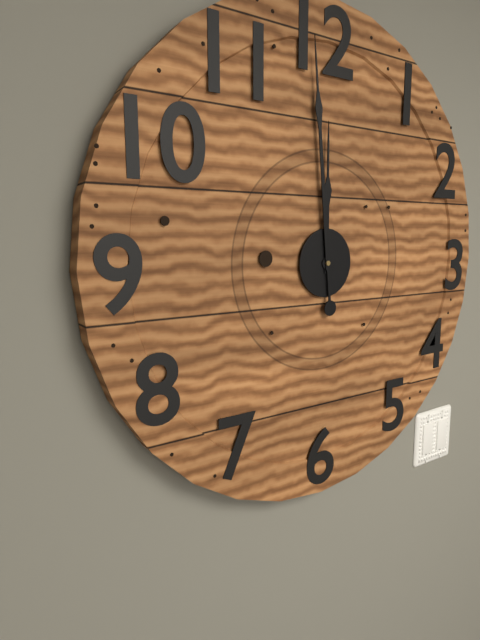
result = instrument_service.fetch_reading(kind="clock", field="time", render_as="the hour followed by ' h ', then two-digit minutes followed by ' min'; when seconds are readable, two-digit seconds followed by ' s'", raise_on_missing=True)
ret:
11 h 59 min
